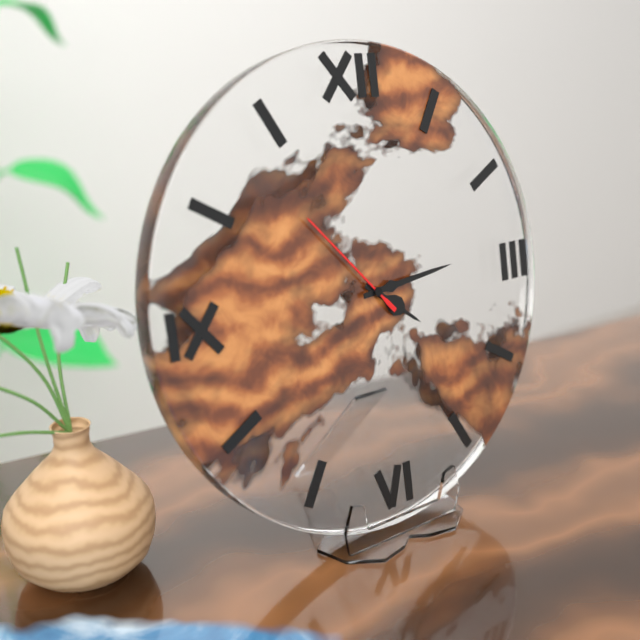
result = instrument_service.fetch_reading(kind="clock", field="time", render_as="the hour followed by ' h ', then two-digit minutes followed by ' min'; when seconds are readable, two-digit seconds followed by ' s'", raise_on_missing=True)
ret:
4 h 14 min 53 s
